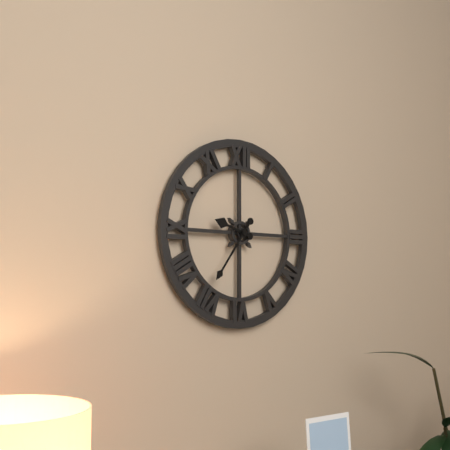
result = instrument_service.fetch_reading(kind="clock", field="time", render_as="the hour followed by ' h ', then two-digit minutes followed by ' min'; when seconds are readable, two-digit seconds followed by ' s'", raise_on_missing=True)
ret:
9 h 36 min
